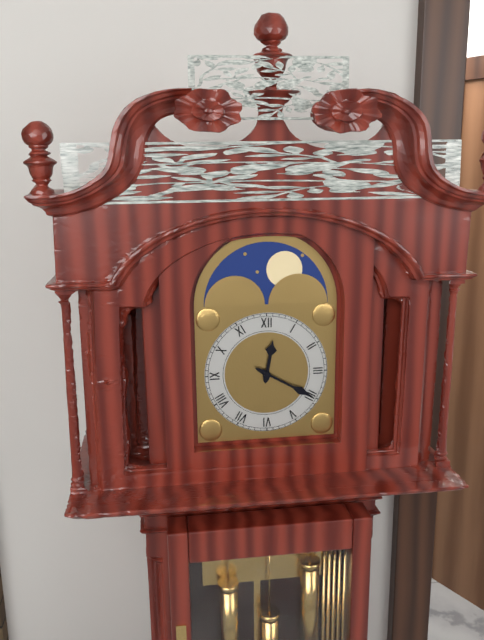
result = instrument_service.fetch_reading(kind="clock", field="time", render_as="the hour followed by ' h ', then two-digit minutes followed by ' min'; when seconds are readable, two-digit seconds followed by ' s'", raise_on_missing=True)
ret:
12 h 20 min
